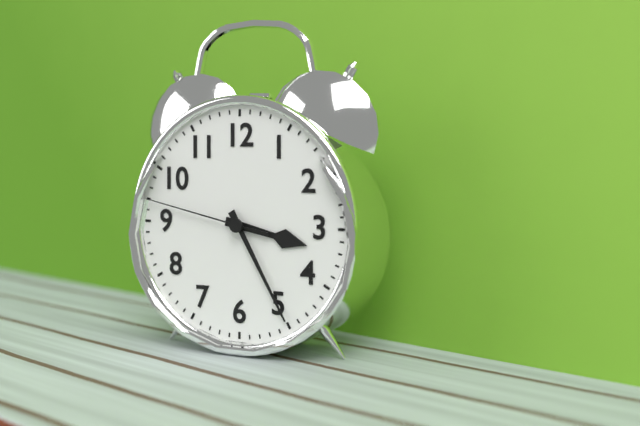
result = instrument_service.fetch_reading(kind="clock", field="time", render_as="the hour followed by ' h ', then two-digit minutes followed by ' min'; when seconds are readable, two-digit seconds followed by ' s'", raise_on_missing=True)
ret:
3 h 25 min 47 s
